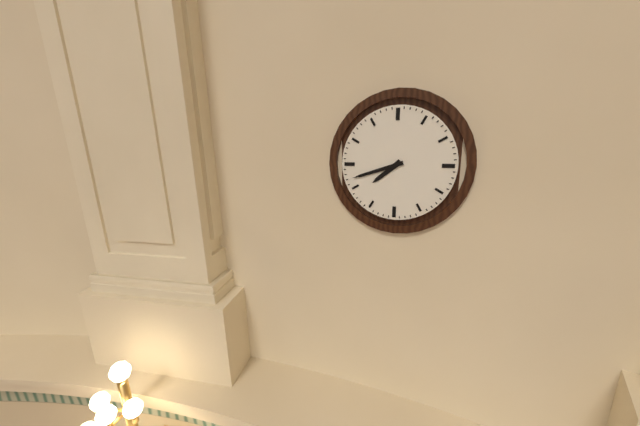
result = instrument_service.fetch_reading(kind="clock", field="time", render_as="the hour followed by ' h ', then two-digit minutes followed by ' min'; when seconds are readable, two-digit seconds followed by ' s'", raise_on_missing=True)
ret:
7 h 42 min
